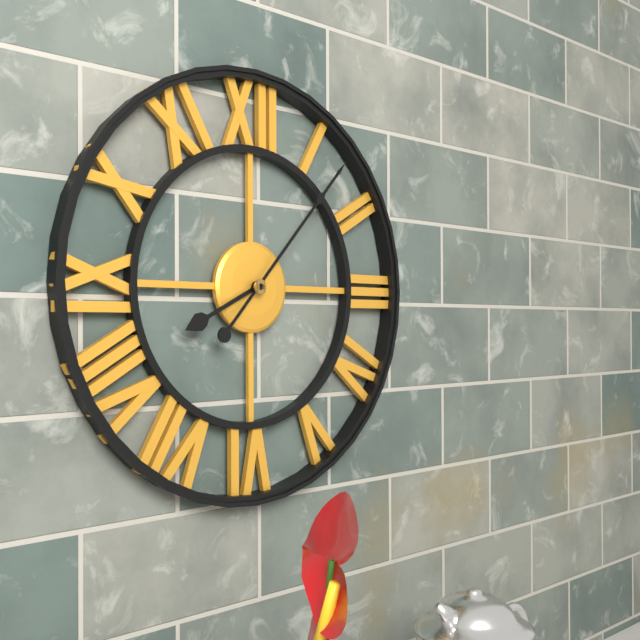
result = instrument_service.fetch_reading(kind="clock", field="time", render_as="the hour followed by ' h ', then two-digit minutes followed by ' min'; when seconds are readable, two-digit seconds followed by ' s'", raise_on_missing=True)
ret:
8 h 07 min
